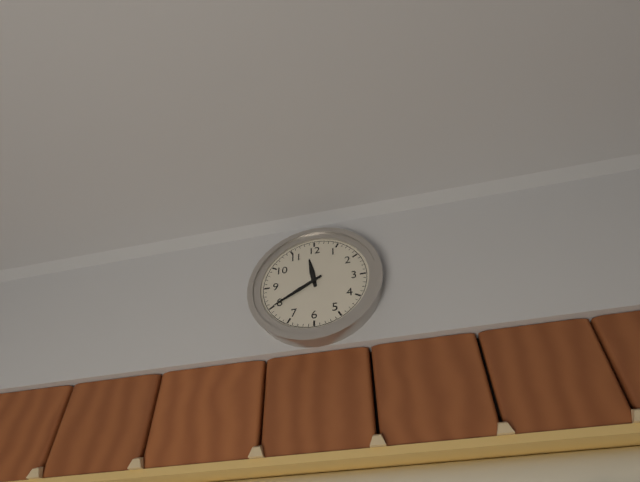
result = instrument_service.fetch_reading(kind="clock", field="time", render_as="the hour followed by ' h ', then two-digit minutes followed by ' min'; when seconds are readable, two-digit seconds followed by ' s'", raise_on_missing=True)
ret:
11 h 40 min
